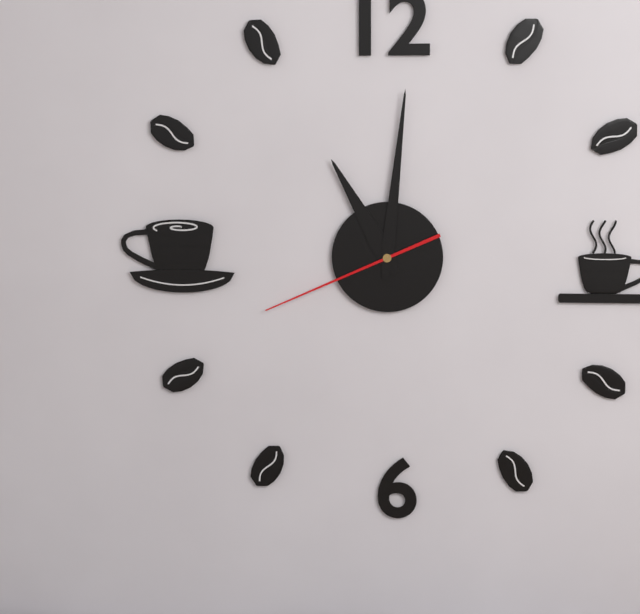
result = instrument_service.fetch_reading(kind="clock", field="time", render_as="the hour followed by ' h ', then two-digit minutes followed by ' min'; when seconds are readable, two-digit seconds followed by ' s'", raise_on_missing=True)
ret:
11 h 01 min 41 s
